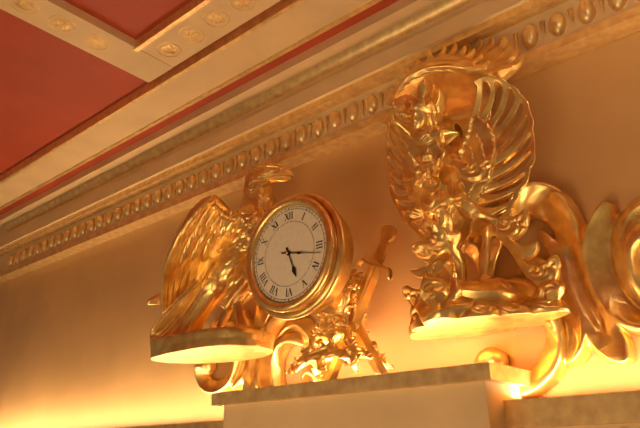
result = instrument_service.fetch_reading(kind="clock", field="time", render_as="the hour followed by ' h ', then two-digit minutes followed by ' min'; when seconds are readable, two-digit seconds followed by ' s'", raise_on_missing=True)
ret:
5 h 17 min
